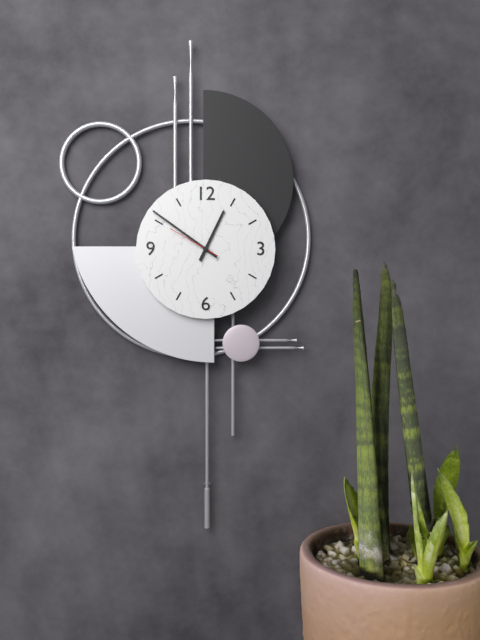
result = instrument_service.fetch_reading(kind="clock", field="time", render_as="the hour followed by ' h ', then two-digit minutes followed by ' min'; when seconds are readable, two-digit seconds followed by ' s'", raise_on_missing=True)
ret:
12 h 51 min 50 s
